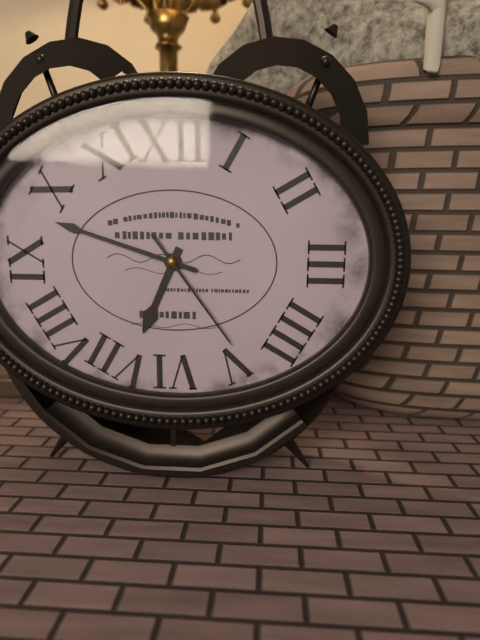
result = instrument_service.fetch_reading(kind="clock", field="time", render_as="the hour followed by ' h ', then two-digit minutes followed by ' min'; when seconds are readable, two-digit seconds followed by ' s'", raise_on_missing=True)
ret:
6 h 48 min 24 s
